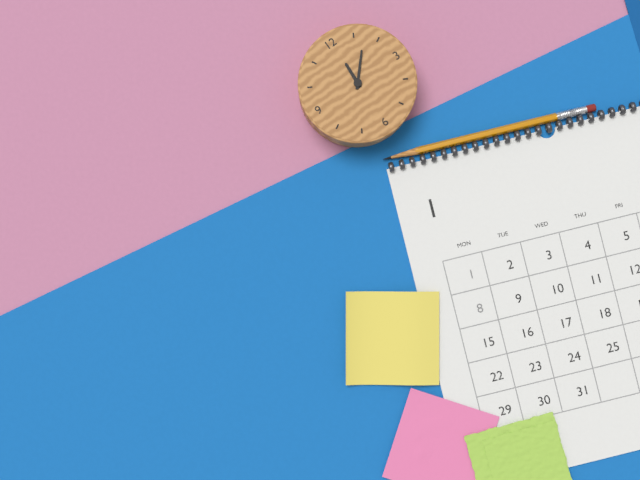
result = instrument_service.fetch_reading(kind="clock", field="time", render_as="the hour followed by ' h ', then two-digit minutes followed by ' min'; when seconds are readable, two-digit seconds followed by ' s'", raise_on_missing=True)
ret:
12 h 07 min
